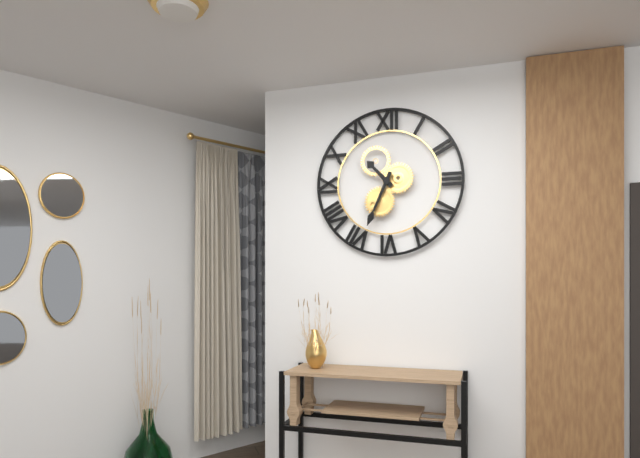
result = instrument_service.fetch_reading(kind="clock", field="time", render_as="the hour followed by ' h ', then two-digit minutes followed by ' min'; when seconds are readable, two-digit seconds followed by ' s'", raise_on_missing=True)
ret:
10 h 34 min
